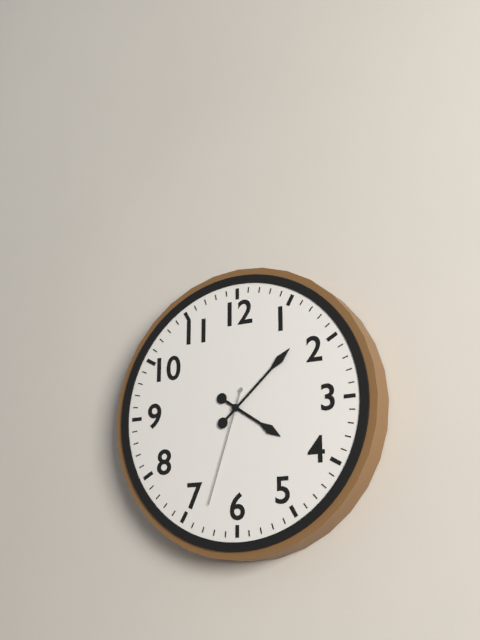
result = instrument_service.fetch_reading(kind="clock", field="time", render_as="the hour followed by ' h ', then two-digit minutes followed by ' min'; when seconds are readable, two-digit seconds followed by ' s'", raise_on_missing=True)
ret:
4 h 08 min 33 s
